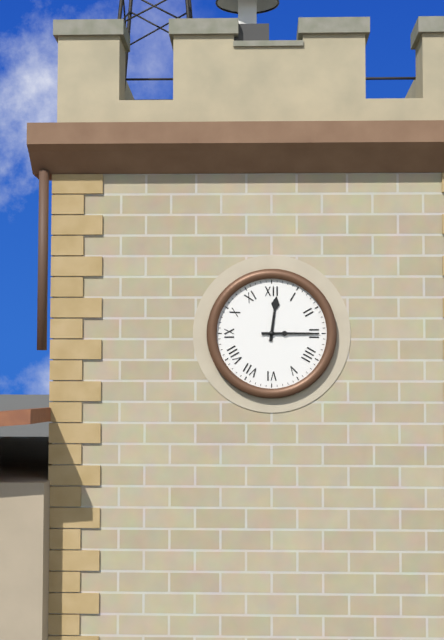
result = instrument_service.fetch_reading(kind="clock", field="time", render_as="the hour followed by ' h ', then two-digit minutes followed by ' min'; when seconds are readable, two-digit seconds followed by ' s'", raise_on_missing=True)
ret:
12 h 15 min
